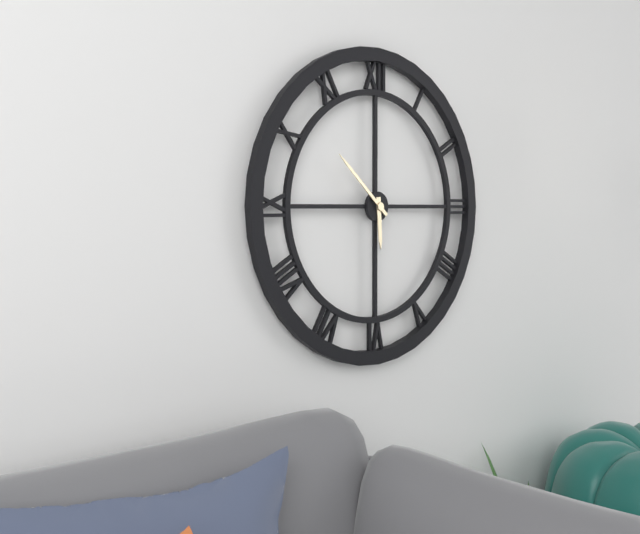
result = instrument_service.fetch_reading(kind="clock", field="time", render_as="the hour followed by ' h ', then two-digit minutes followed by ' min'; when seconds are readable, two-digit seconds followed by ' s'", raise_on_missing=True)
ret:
5 h 52 min
